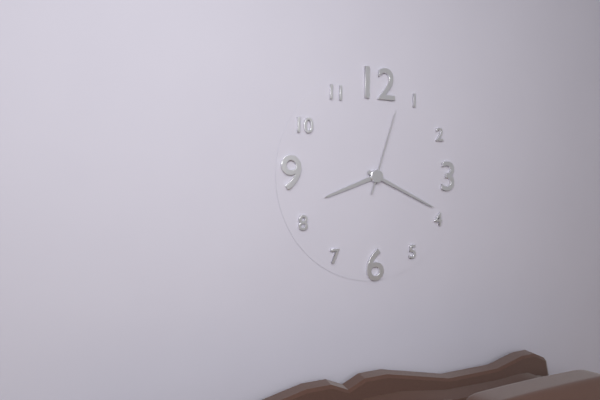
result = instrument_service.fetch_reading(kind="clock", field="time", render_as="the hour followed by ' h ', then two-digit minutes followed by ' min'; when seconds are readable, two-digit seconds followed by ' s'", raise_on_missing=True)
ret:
8 h 19 min 03 s
